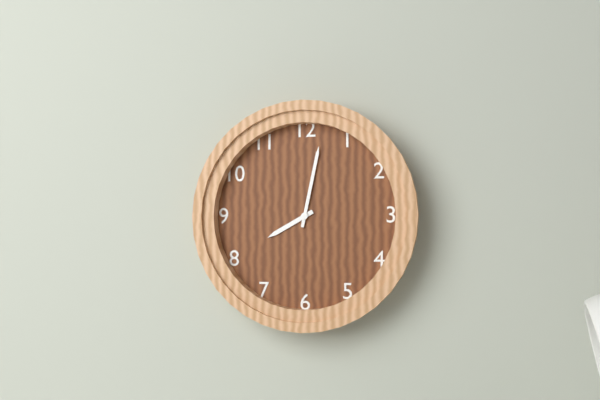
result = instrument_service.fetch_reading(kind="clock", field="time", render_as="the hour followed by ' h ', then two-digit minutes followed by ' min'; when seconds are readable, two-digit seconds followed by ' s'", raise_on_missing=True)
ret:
8 h 02 min
